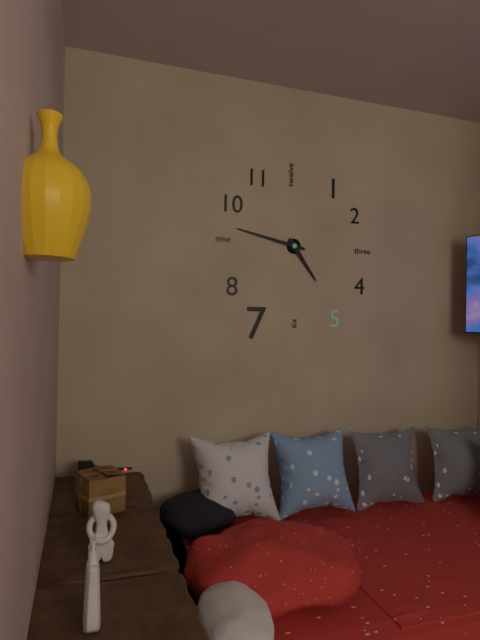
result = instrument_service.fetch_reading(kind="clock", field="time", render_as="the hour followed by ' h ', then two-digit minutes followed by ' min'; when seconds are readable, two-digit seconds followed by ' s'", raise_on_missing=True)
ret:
4 h 47 min
